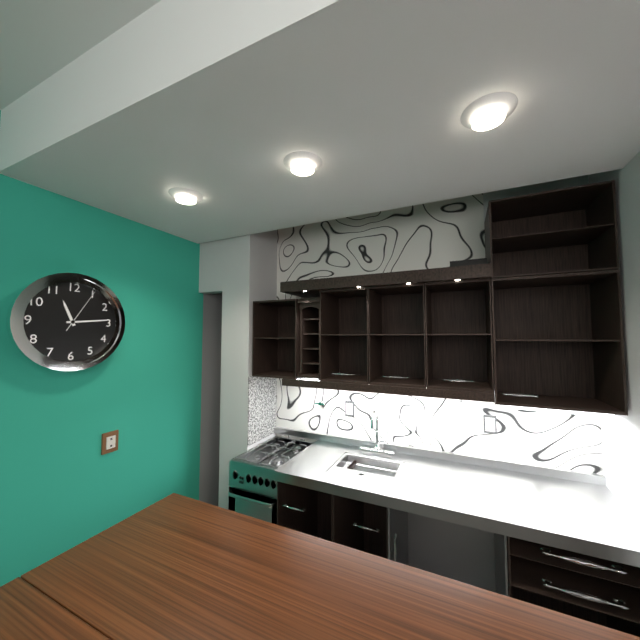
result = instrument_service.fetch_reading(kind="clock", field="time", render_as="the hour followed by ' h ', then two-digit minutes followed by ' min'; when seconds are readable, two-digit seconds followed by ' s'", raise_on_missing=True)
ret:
11 h 14 min
